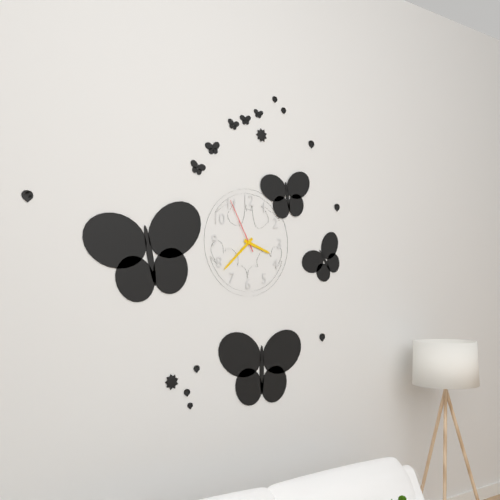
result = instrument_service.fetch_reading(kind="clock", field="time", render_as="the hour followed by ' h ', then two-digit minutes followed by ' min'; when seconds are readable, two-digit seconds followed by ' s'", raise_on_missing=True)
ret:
3 h 38 min 55 s
